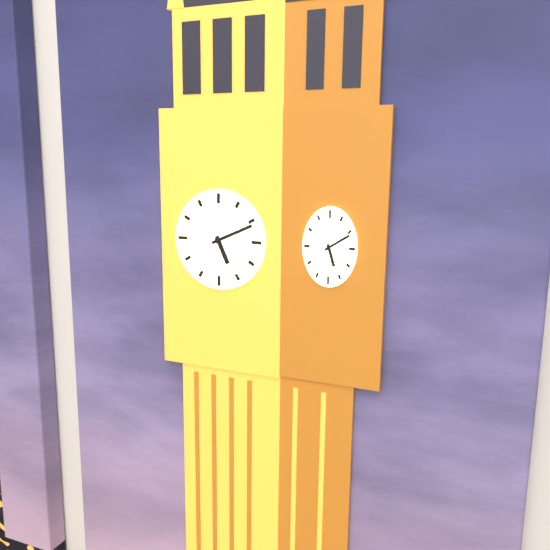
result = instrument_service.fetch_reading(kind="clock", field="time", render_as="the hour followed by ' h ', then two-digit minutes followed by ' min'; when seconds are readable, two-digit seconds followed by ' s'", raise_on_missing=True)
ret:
5 h 11 min
